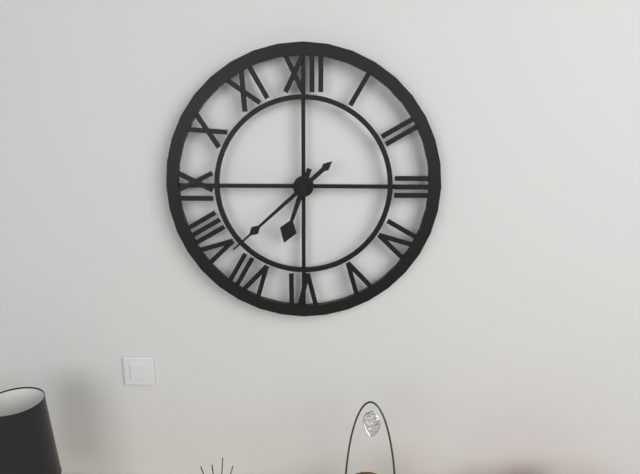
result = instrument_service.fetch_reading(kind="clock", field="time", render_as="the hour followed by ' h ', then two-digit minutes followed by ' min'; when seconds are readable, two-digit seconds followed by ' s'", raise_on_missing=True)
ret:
6 h 38 min
